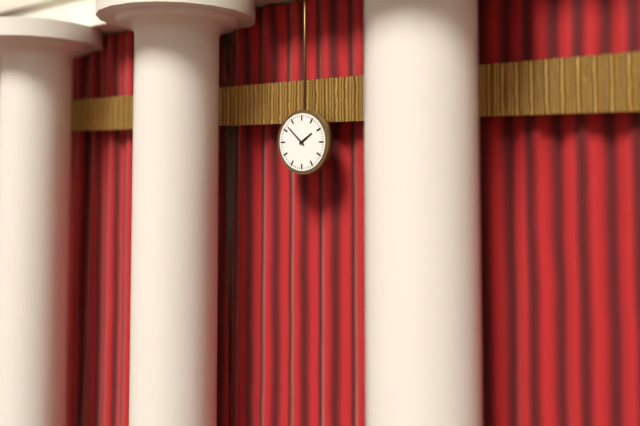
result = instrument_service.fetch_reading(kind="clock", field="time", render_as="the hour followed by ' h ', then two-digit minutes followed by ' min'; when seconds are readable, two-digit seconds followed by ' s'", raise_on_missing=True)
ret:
1 h 52 min
